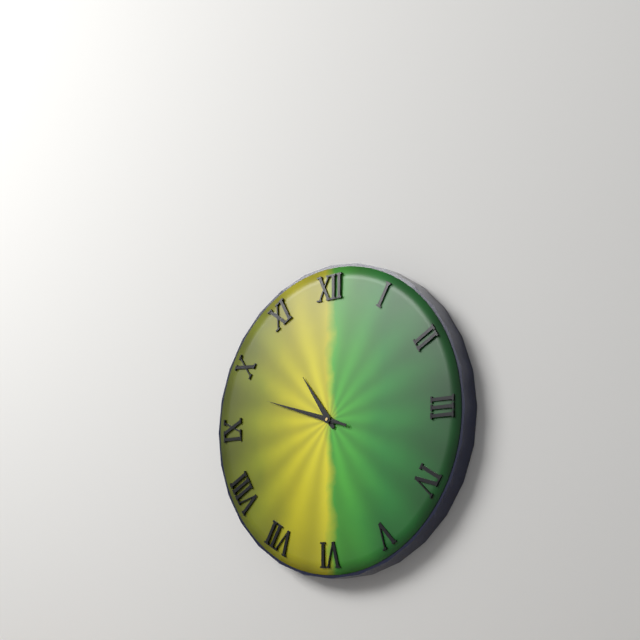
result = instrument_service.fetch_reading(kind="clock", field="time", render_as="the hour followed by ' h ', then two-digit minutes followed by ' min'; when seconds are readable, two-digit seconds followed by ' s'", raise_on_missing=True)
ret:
10 h 48 min 48 s
